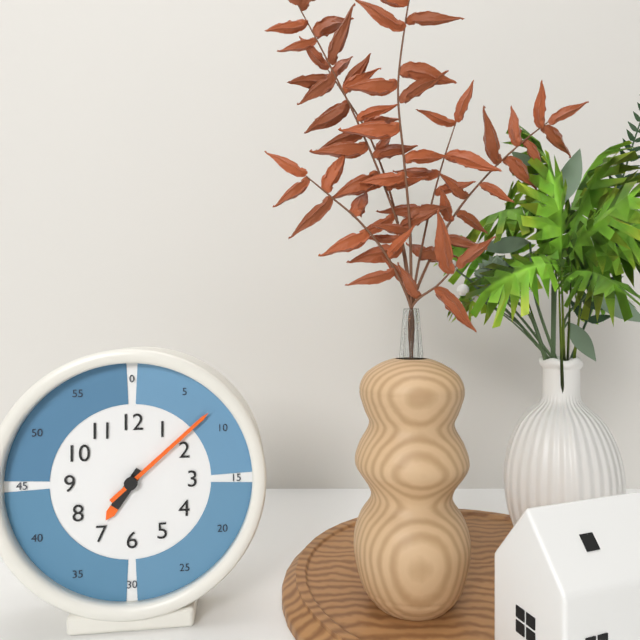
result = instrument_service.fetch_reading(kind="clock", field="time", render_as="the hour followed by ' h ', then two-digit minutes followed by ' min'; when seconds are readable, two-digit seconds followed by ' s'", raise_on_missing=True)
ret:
7 h 08 min
